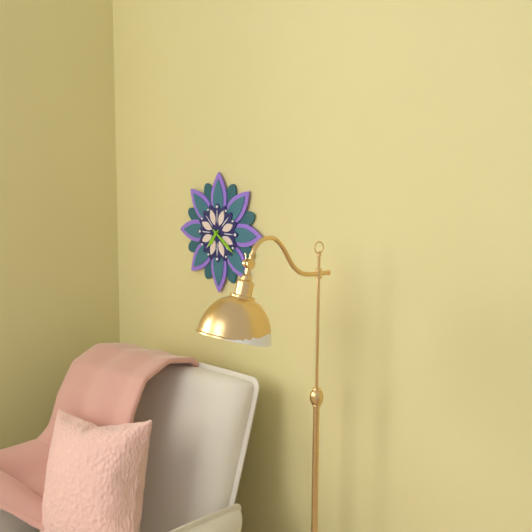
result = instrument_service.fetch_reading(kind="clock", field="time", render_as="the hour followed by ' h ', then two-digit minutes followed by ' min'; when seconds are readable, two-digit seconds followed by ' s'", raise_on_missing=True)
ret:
7 h 21 min
